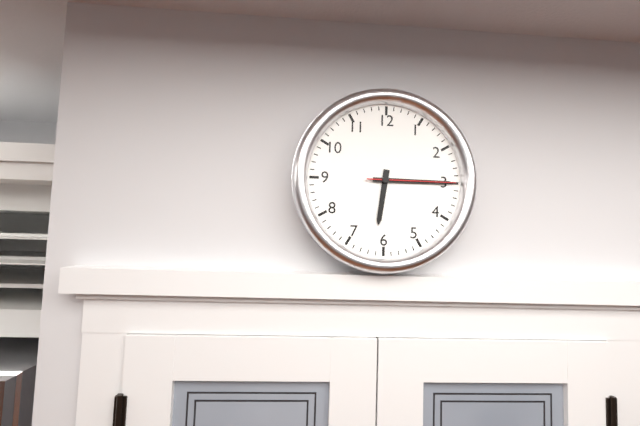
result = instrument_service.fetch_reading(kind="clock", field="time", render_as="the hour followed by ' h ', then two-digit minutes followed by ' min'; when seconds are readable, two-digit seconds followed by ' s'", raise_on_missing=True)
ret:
6 h 15 min 15 s
